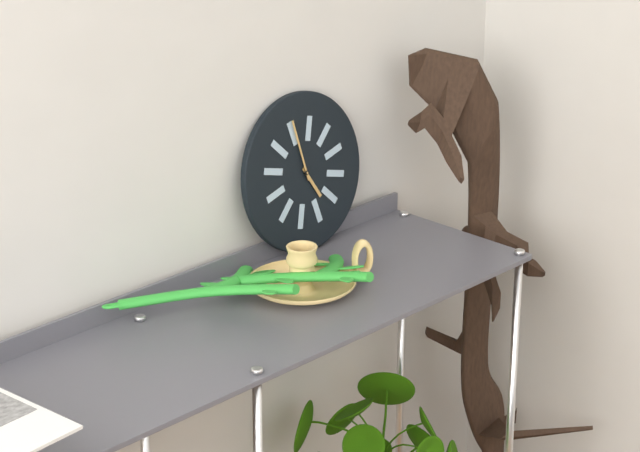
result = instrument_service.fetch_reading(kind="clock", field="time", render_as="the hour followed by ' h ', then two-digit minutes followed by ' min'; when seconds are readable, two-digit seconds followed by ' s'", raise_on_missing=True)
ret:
4 h 58 min
